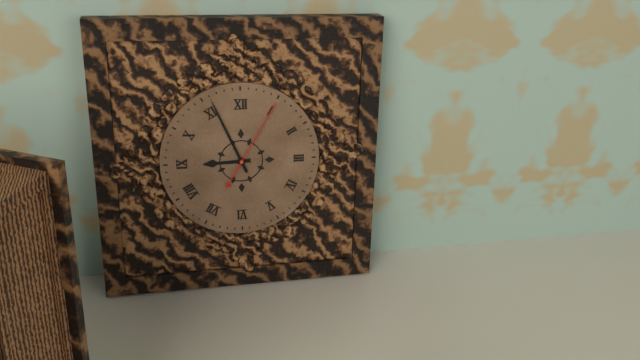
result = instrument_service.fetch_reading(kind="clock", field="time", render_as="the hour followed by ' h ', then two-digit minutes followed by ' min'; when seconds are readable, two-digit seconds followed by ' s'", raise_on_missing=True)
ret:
8 h 56 min 05 s
